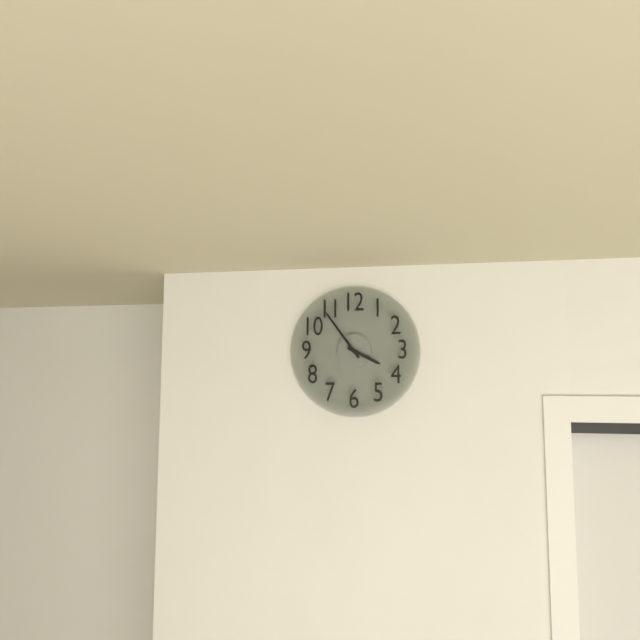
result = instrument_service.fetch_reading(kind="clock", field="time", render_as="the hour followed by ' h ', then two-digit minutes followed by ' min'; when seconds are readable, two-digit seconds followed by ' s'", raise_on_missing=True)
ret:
3 h 54 min
